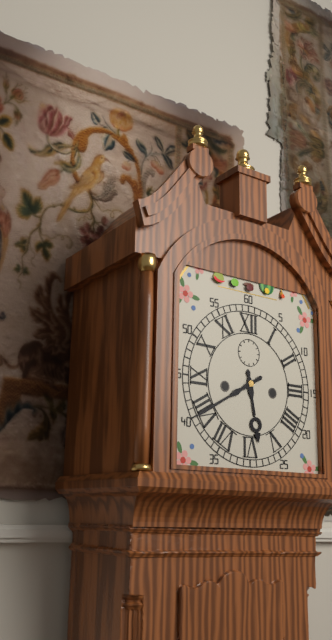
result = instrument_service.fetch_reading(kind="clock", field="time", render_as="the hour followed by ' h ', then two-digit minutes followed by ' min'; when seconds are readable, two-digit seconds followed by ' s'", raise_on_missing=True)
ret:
5 h 40 min
